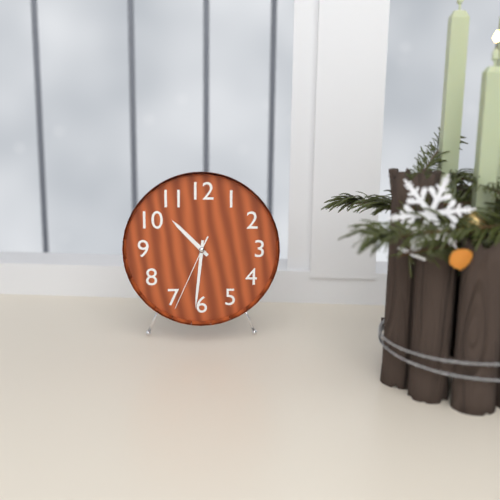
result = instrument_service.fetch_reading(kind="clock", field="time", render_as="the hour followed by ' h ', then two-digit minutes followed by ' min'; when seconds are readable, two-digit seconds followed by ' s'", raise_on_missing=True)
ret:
10 h 31 min 34 s
